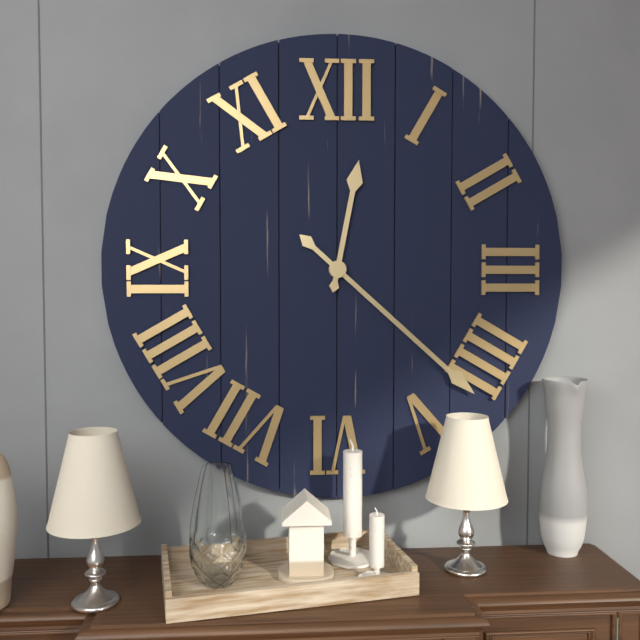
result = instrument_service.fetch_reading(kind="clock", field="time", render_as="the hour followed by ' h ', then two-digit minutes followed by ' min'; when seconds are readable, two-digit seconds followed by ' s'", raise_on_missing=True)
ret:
12 h 22 min
